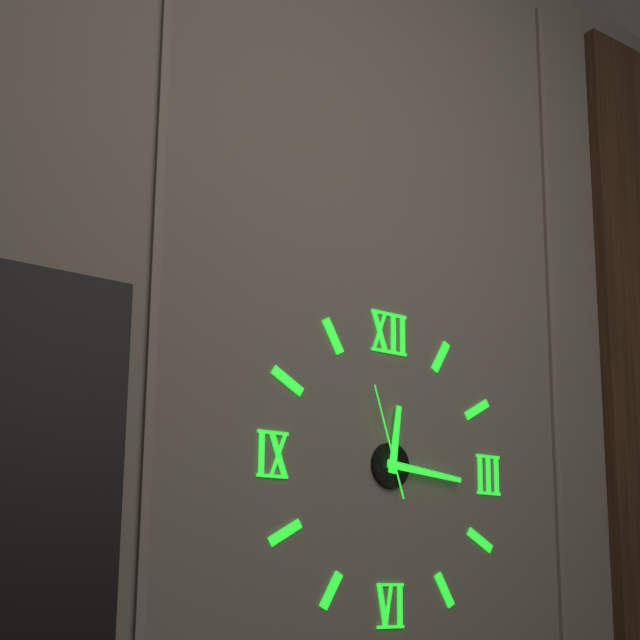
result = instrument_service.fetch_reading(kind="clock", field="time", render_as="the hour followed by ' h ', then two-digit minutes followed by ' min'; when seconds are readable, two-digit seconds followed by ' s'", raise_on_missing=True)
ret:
12 h 16 min 57 s
